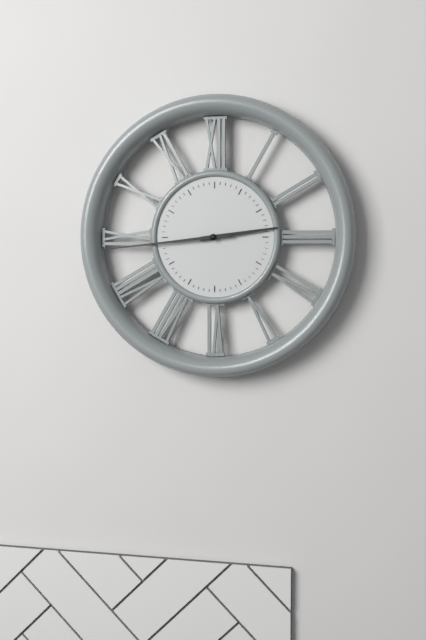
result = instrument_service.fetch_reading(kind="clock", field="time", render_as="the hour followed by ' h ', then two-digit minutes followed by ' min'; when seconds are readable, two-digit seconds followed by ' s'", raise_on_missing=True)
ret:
2 h 44 min
